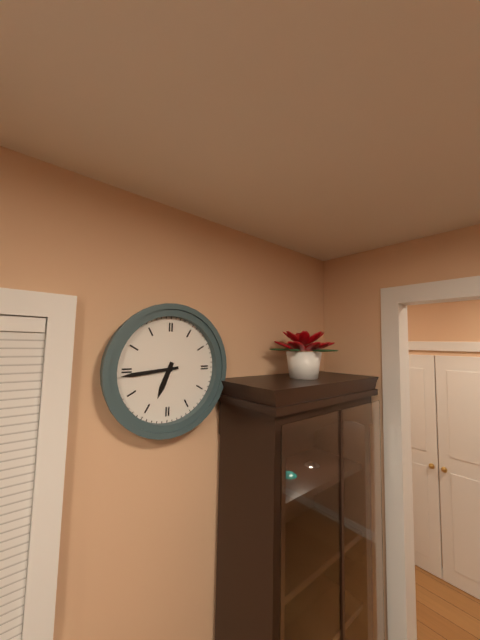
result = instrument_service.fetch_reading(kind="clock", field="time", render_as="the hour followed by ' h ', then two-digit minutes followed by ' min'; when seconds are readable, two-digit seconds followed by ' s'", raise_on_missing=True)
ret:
6 h 44 min
